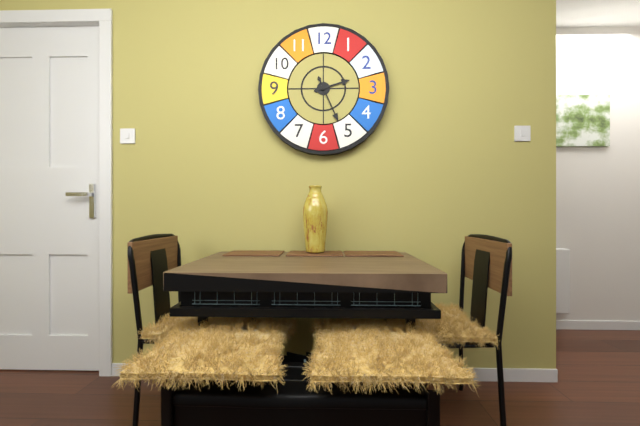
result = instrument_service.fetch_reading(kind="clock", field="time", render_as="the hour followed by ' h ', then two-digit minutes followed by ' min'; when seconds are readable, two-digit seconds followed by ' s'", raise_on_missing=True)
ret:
2 h 26 min
